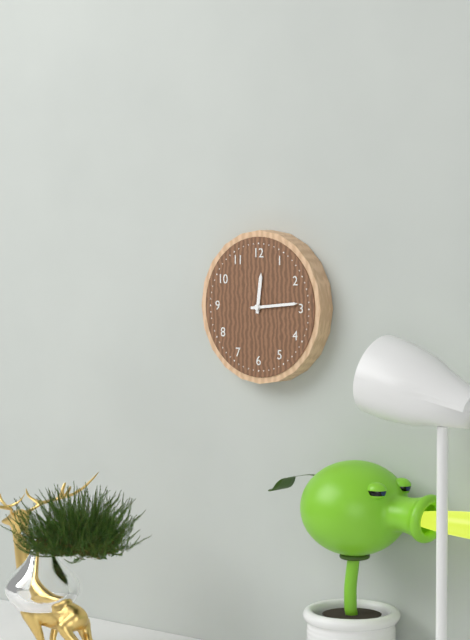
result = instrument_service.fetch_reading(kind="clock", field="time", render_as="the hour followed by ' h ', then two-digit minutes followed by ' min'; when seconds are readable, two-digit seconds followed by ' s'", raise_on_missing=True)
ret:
12 h 14 min
